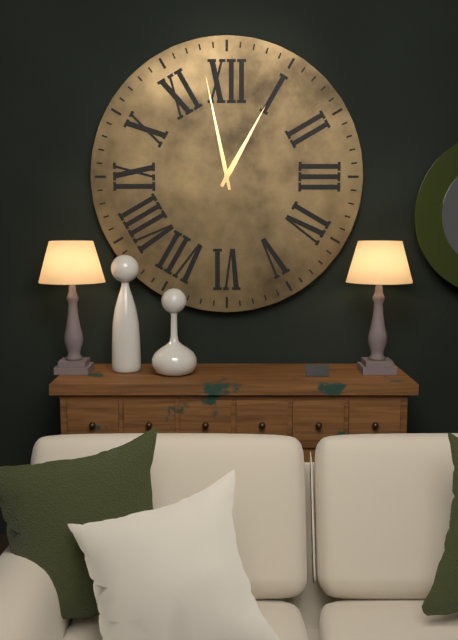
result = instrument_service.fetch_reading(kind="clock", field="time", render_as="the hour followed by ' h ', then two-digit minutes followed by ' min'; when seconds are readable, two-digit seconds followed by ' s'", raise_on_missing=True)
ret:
12 h 58 min
